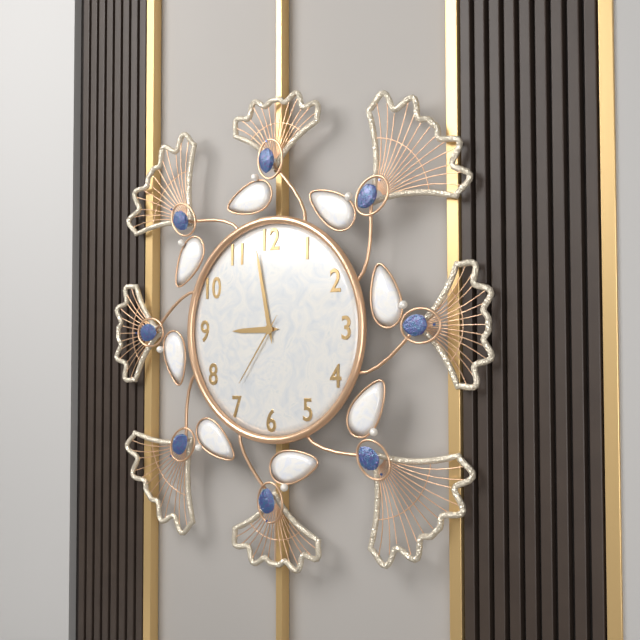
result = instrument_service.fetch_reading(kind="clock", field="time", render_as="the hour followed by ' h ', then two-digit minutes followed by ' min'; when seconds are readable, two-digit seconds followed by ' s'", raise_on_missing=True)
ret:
8 h 58 min 36 s
